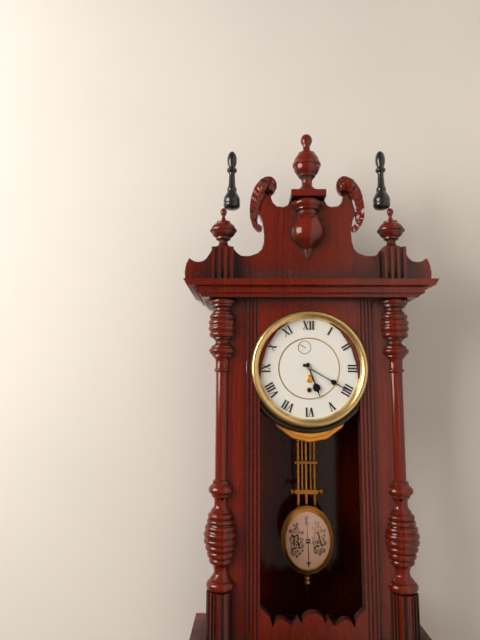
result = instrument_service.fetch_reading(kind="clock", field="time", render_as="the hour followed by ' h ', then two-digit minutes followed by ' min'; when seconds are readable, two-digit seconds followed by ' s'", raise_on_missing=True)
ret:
5 h 20 min
